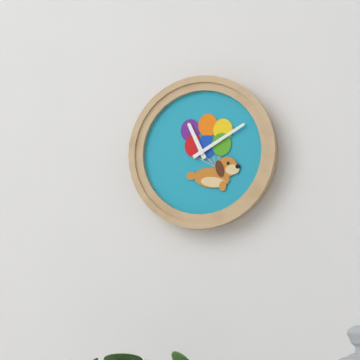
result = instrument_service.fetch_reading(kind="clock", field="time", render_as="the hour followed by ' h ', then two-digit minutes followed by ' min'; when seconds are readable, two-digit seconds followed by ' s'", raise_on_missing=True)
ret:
11 h 10 min
